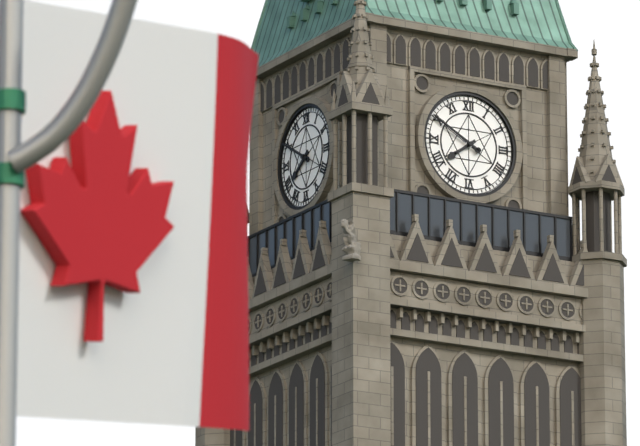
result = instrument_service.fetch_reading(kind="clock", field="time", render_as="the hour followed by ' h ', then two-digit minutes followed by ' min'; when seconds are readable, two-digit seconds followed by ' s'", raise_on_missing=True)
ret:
7 h 50 min
